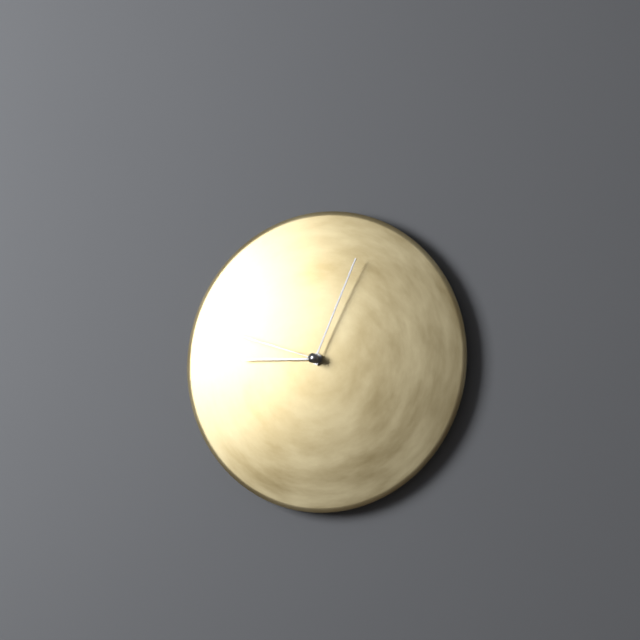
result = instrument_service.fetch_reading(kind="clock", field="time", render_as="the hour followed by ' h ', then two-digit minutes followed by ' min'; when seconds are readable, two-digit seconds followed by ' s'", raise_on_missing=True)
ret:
9 h 04 min 48 s
